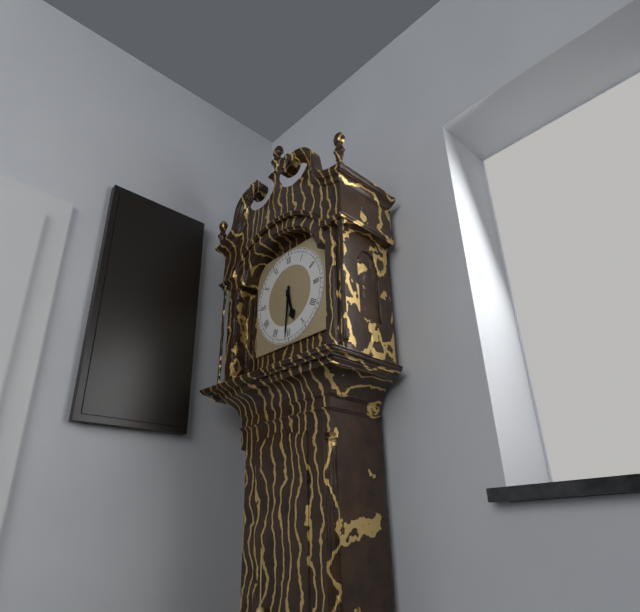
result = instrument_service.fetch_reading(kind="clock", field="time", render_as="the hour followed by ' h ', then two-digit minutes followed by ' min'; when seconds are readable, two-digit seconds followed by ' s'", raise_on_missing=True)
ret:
5 h 31 min
